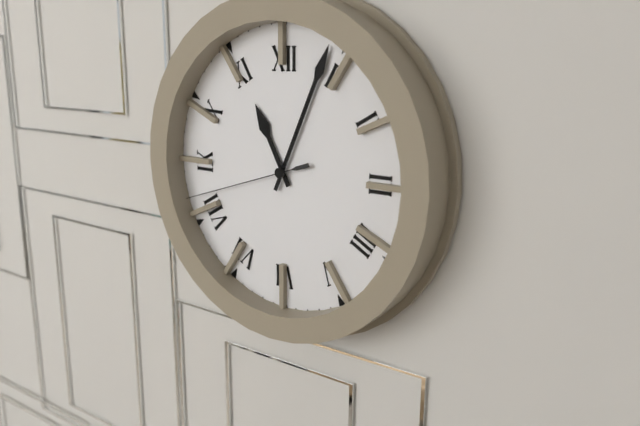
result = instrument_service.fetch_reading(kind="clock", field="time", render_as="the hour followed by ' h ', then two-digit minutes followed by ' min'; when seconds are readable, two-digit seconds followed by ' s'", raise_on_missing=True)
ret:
11 h 04 min 42 s
